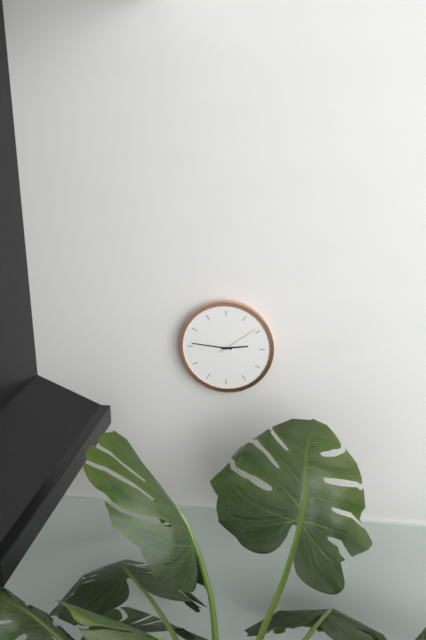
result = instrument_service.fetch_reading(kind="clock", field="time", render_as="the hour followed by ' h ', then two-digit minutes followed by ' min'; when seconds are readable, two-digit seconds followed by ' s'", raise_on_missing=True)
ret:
2 h 46 min
